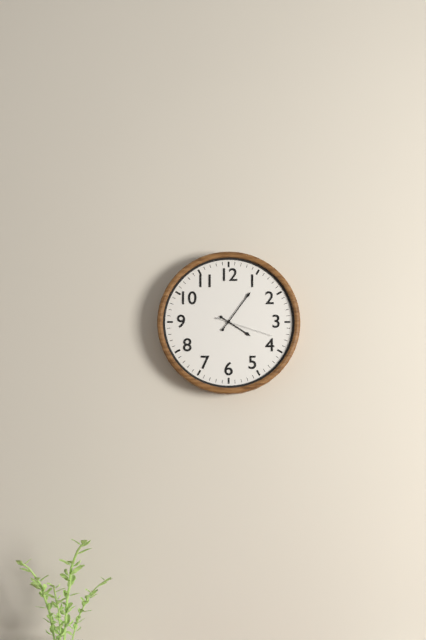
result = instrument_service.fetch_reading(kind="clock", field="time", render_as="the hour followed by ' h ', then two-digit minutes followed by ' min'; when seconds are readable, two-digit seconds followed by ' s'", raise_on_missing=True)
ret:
4 h 06 min 18 s
